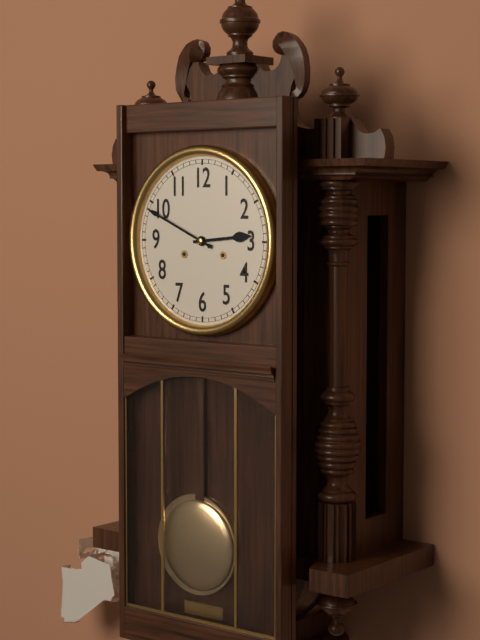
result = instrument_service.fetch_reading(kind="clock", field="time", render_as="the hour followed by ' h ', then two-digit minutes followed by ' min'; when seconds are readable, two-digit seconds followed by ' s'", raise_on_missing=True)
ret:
2 h 49 min
